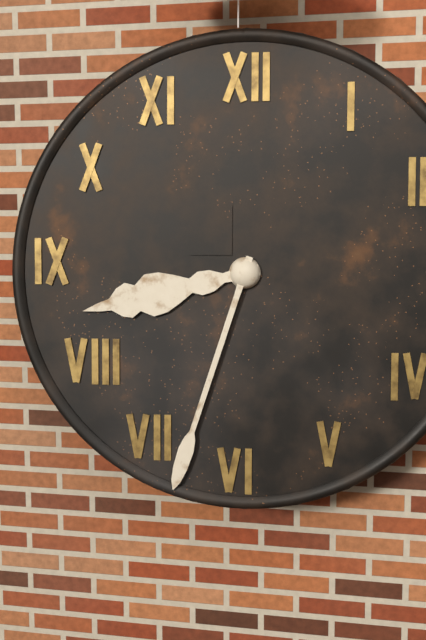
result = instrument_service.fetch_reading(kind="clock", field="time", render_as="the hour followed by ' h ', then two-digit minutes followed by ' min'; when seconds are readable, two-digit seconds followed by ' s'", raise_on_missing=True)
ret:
8 h 33 min
